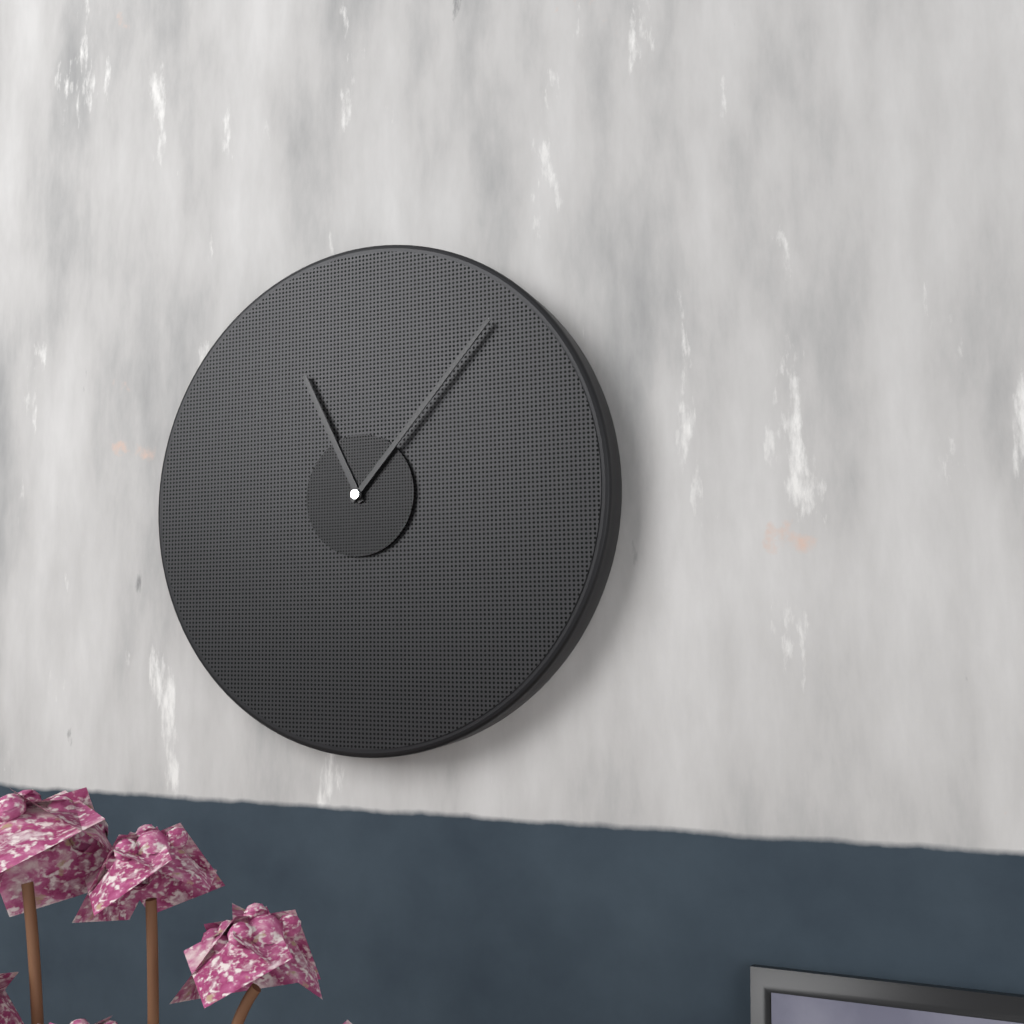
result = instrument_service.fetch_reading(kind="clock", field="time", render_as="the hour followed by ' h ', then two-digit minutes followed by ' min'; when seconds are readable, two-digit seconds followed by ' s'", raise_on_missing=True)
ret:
11 h 07 min
